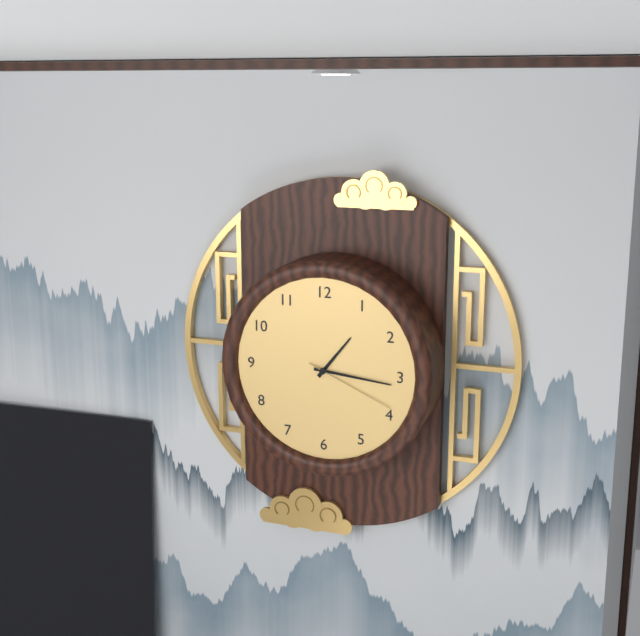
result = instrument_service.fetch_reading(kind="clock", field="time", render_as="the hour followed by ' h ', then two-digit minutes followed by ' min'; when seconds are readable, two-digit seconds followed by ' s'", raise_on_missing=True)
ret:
1 h 16 min 19 s
